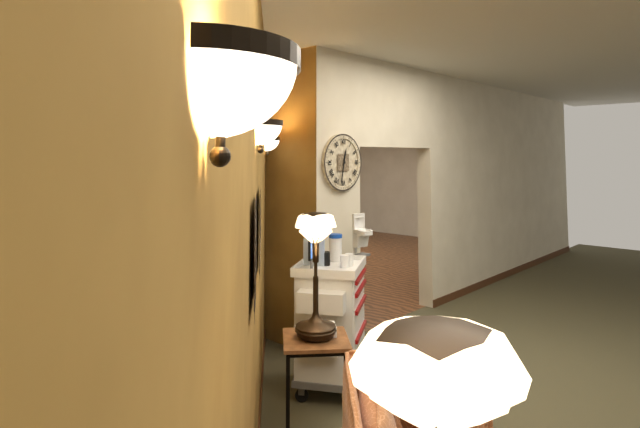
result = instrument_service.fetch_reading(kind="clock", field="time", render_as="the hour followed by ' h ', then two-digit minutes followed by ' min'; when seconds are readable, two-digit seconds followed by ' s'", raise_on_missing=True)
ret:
12 h 32 min
